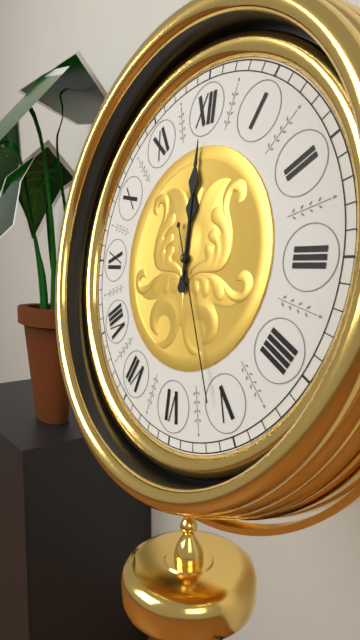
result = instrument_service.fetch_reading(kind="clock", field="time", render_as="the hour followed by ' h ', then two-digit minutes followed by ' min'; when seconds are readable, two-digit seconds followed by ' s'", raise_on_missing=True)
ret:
12 h 00 min 26 s
